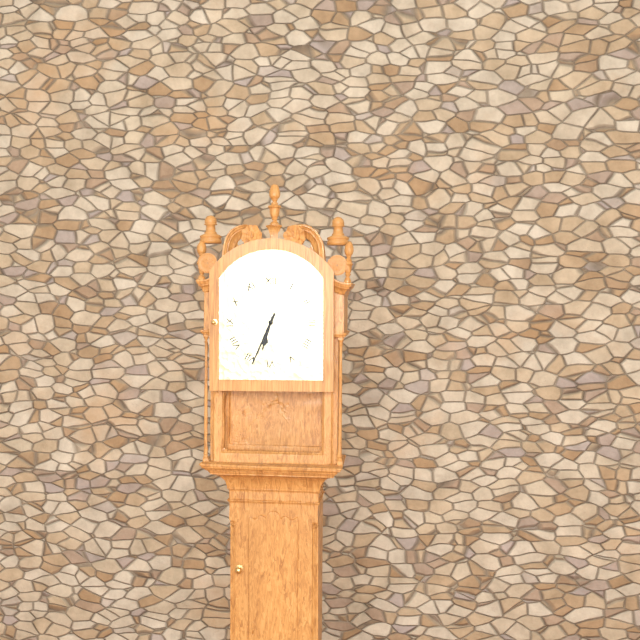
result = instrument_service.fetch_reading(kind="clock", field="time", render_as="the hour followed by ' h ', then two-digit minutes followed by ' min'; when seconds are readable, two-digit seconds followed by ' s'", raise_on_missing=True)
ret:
6 h 34 min
